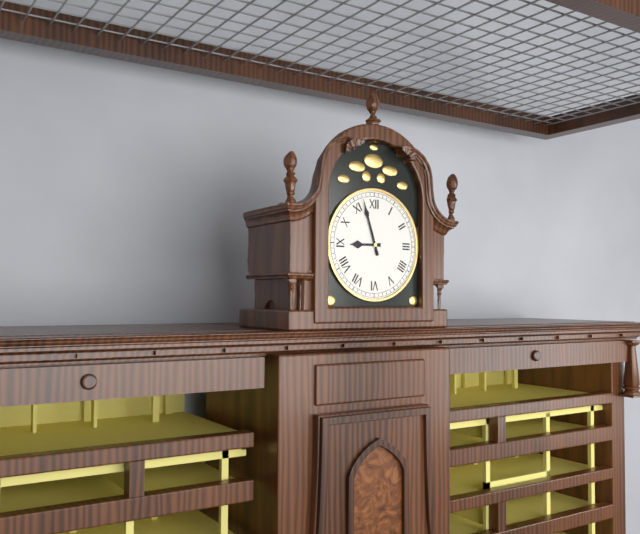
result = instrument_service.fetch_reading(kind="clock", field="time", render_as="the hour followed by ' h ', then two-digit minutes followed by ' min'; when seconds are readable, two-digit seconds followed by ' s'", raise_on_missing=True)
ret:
8 h 57 min
